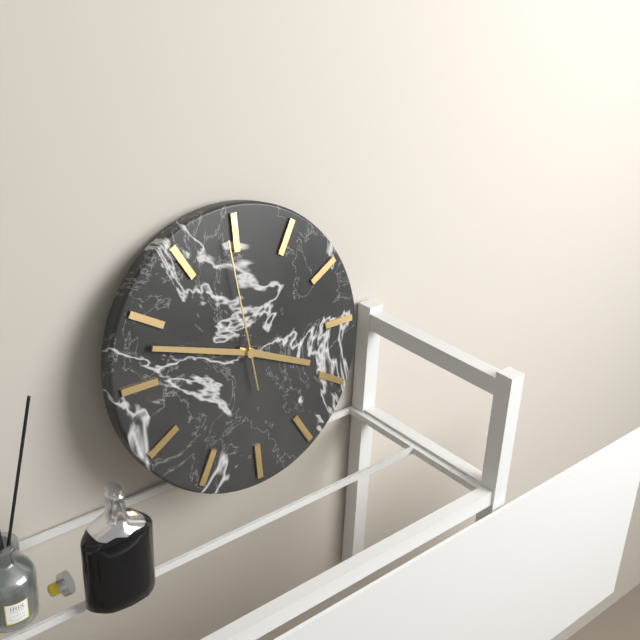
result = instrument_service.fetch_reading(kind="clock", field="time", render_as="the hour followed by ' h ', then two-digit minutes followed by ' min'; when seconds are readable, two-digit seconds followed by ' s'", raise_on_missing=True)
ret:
3 h 48 min 59 s
